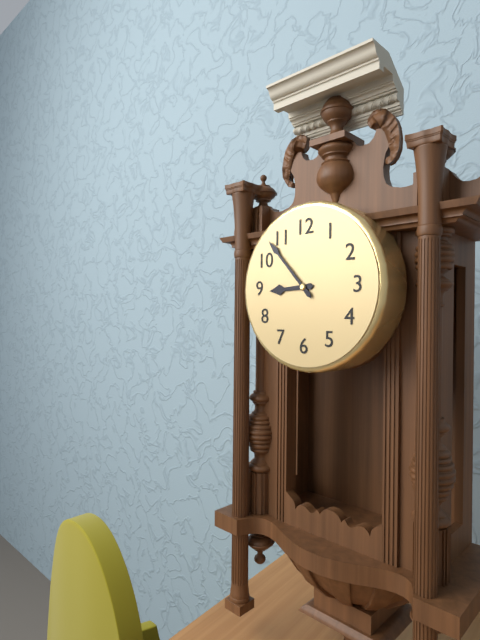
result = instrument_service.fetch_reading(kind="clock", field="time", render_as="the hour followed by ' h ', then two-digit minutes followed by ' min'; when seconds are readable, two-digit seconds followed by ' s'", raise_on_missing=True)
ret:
8 h 53 min
